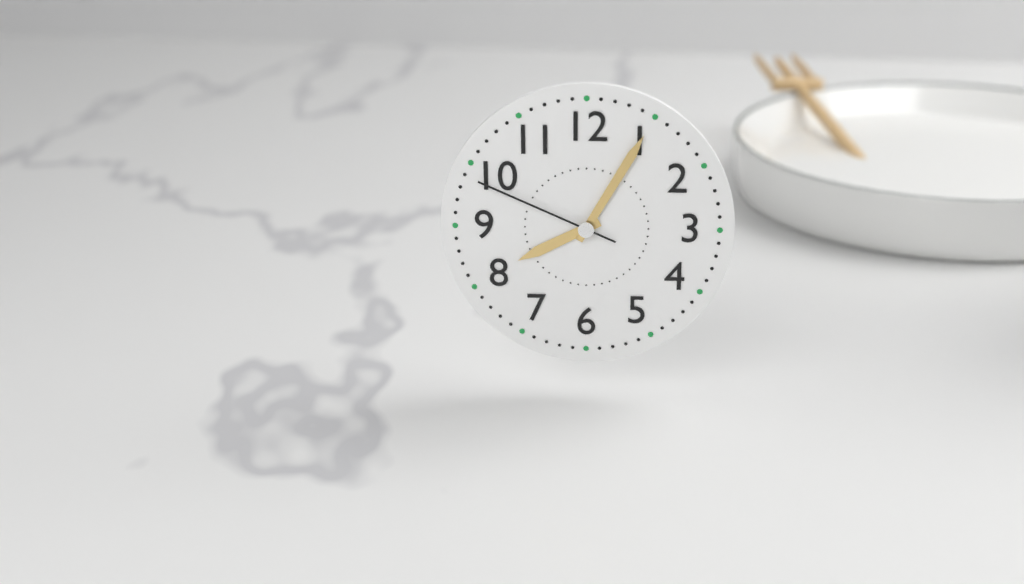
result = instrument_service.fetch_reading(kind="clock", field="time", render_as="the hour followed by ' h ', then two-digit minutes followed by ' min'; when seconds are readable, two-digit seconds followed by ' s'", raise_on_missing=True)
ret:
8 h 05 min 49 s
